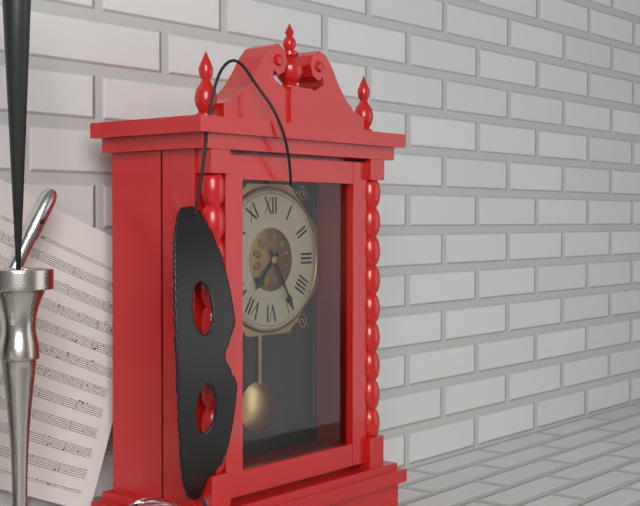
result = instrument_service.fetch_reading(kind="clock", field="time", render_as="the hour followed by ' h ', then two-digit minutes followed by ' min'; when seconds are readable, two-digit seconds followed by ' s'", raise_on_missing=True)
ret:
7 h 25 min
